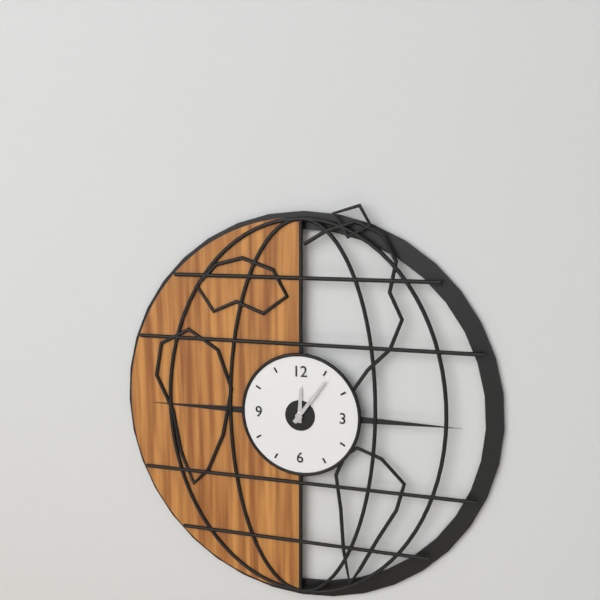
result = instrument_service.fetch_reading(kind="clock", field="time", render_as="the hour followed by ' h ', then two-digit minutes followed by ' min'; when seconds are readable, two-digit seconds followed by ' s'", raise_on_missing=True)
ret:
12 h 06 min
